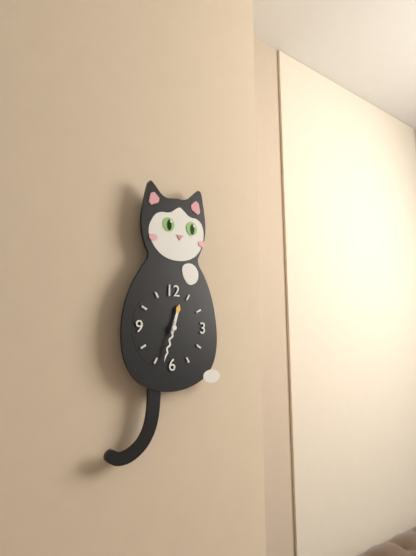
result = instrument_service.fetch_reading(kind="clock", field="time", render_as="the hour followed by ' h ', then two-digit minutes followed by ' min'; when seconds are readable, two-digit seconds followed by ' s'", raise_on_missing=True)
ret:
12 h 33 min
